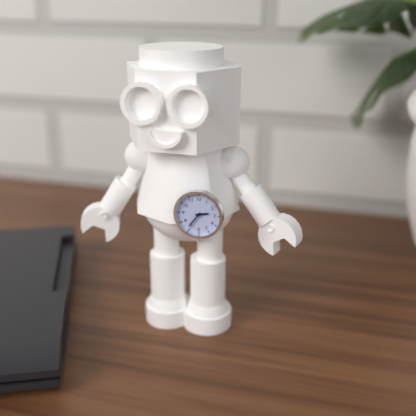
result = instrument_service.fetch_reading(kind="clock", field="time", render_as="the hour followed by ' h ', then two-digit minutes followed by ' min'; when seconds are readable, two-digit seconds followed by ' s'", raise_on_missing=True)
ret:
2 h 36 min
